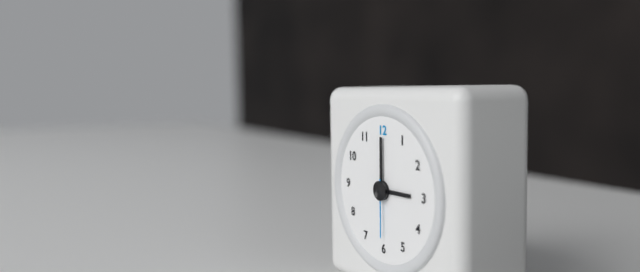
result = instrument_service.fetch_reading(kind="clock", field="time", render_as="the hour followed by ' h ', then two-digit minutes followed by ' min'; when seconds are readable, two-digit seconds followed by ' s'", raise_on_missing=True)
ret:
3 h 00 min 30 s
